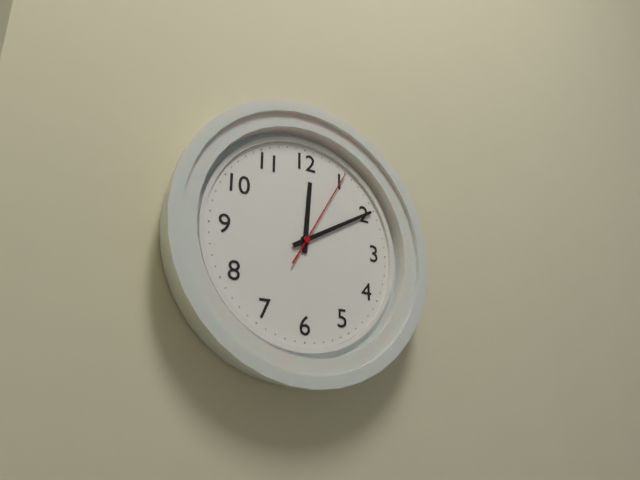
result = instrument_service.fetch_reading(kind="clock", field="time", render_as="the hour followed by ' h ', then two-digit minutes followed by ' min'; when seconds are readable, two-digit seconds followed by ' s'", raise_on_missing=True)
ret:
12 h 10 min 05 s
